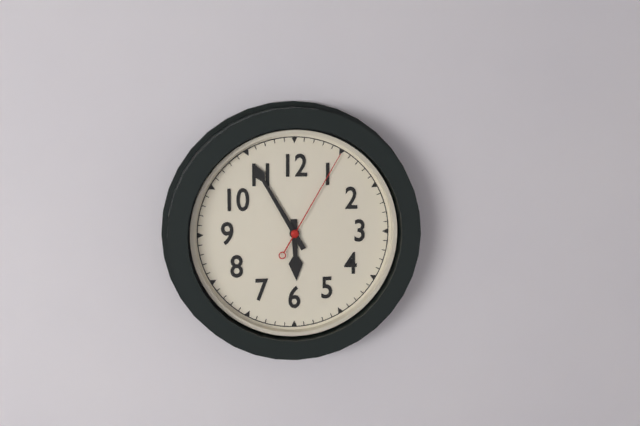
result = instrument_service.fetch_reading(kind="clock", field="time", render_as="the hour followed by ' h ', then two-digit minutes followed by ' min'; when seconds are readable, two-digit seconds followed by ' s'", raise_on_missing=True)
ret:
5 h 55 min 05 s
